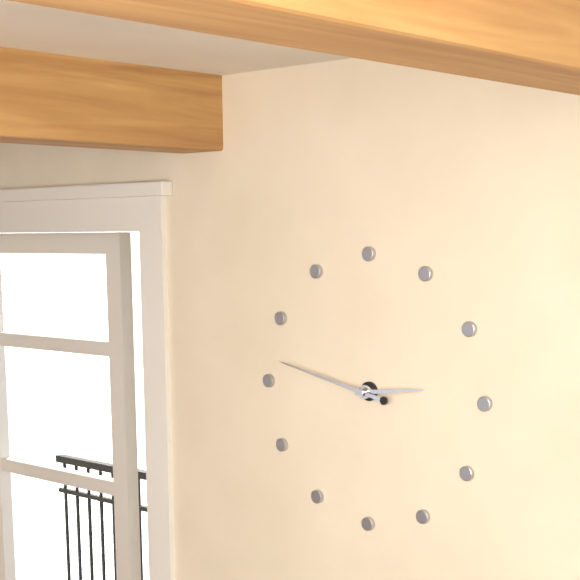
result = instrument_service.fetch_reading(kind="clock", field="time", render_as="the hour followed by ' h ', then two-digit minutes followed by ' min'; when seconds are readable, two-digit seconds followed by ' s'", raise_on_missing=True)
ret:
2 h 47 min
